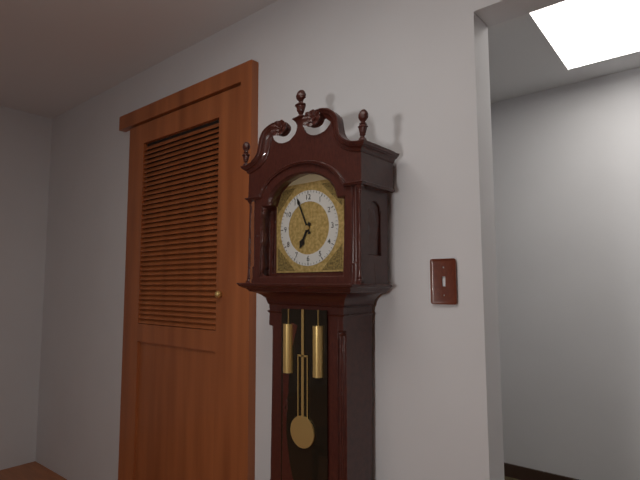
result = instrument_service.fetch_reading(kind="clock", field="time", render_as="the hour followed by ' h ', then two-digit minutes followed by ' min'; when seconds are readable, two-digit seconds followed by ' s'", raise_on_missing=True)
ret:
6 h 56 min
